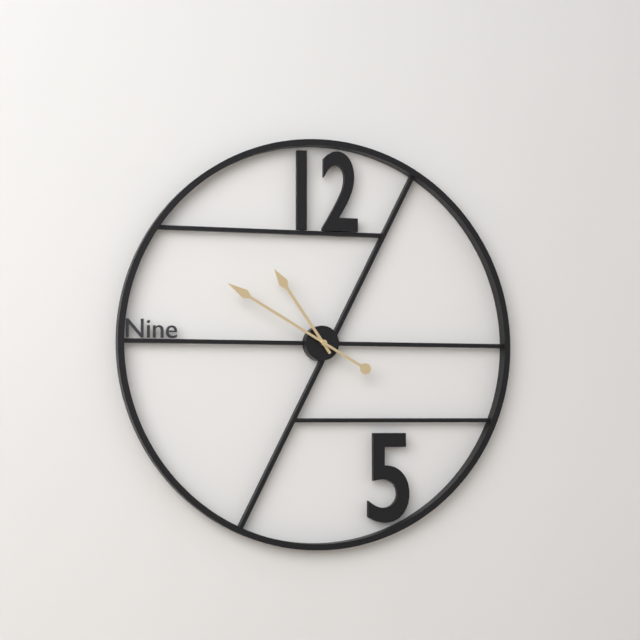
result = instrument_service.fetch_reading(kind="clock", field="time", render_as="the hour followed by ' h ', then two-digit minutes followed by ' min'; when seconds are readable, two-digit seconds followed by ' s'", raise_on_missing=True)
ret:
10 h 50 min
